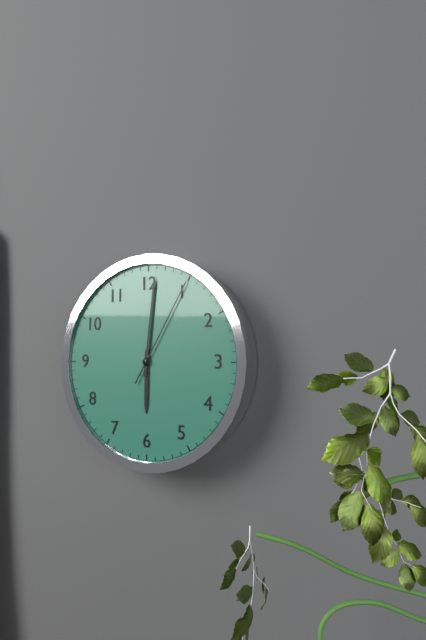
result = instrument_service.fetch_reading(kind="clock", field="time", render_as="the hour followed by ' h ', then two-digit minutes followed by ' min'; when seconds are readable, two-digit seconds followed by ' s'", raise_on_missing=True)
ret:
6 h 01 min 05 s
